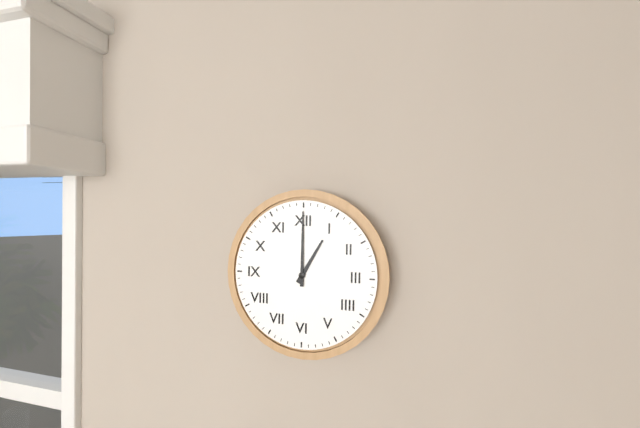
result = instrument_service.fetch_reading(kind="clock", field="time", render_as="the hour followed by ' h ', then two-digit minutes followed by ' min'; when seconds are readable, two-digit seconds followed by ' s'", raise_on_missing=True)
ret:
1 h 00 min
